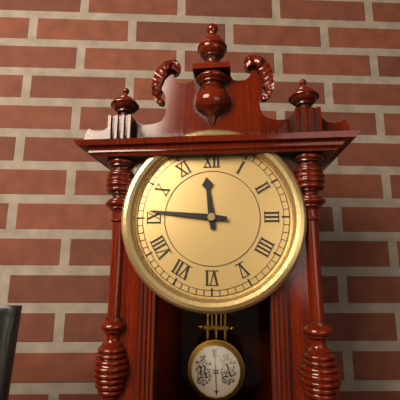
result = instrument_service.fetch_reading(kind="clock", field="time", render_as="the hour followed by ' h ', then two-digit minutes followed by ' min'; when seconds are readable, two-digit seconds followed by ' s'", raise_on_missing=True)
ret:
11 h 46 min
